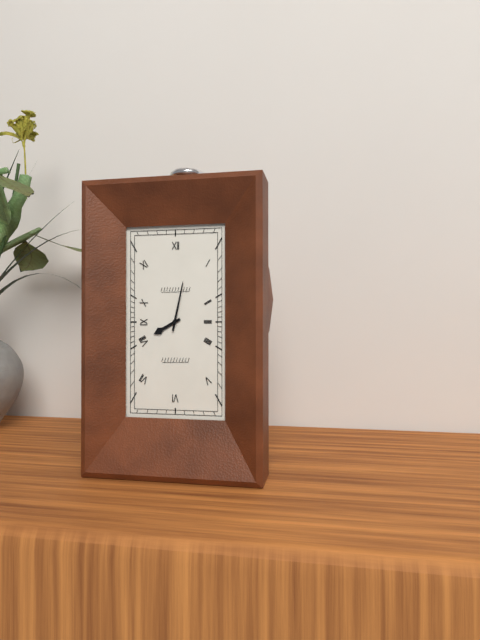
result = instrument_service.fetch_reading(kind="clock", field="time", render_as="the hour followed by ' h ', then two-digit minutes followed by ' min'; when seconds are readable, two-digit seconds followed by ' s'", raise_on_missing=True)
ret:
8 h 02 min
